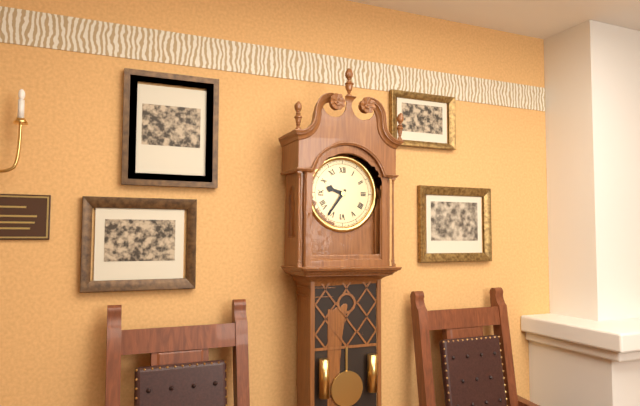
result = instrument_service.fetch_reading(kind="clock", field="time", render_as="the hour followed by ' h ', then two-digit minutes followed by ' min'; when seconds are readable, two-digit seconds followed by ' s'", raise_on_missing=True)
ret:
9 h 36 min
